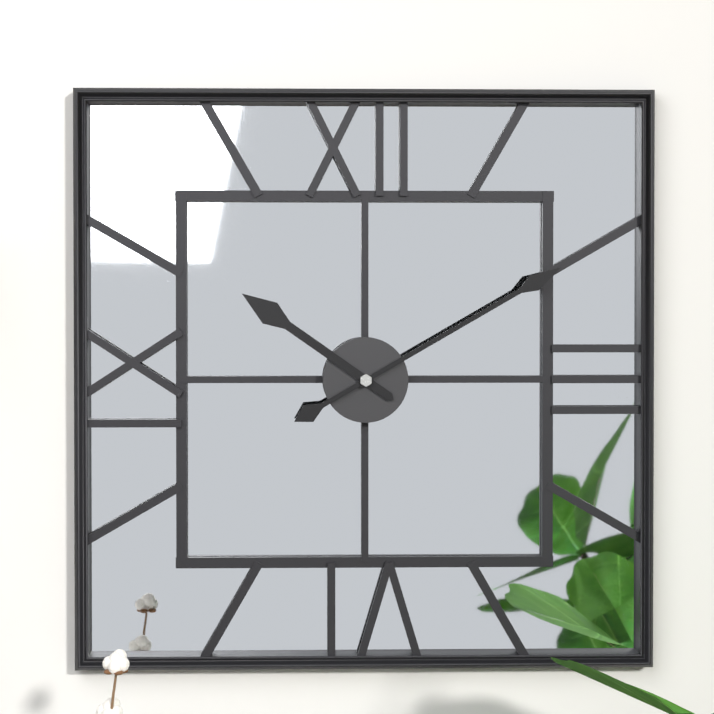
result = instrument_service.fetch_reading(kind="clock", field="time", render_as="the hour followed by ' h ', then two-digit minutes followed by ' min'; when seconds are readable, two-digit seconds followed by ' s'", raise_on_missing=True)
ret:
10 h 10 min
